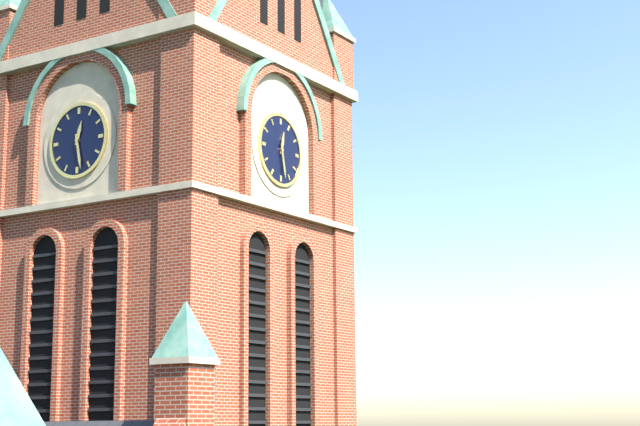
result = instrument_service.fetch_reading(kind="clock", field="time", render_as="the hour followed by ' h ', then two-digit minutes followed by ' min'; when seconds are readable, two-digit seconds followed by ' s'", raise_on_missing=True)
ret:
12 h 28 min
